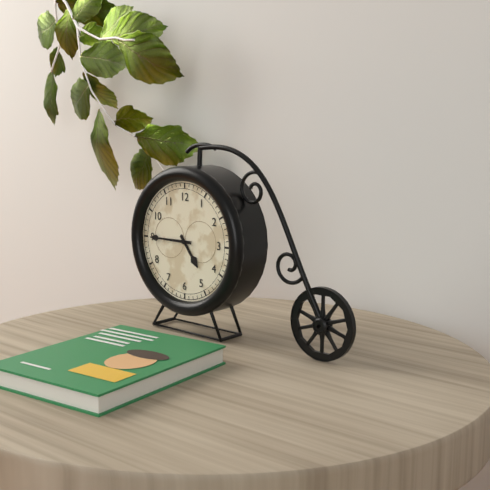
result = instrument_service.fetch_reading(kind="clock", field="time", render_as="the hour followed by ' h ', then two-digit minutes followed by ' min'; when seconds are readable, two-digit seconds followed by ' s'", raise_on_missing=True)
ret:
4 h 45 min
